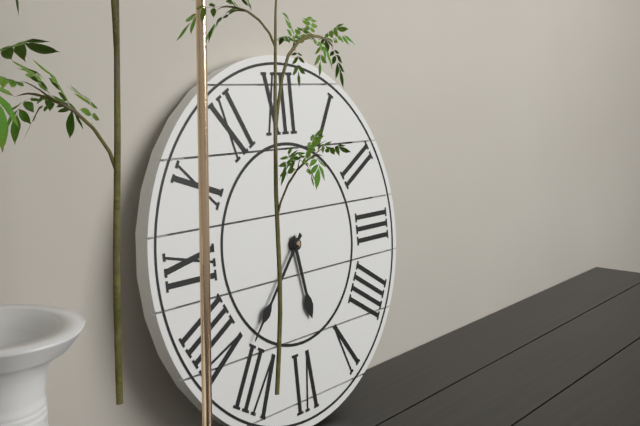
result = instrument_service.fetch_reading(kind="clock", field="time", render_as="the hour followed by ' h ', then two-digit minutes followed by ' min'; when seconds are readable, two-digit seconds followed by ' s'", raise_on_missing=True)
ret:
5 h 37 min
